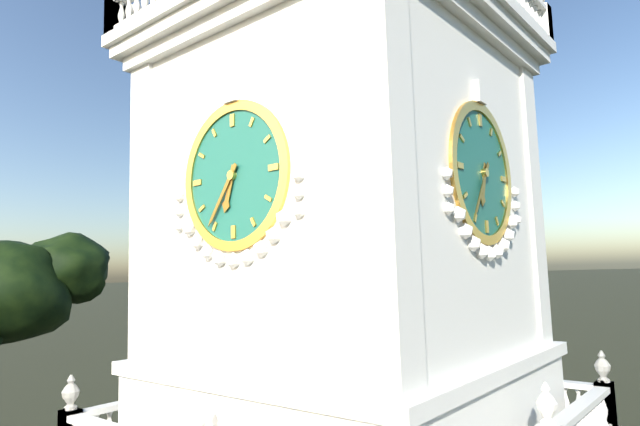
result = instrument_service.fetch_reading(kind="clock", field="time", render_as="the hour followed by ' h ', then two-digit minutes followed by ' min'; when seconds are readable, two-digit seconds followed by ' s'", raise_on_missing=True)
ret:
6 h 36 min
